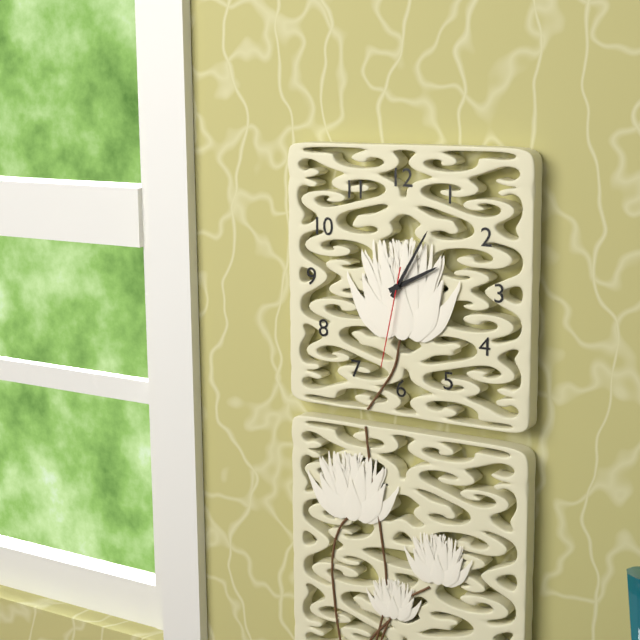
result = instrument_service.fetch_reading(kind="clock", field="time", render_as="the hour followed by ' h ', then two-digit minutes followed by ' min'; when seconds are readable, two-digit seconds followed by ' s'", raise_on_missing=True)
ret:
2 h 05 min 32 s
